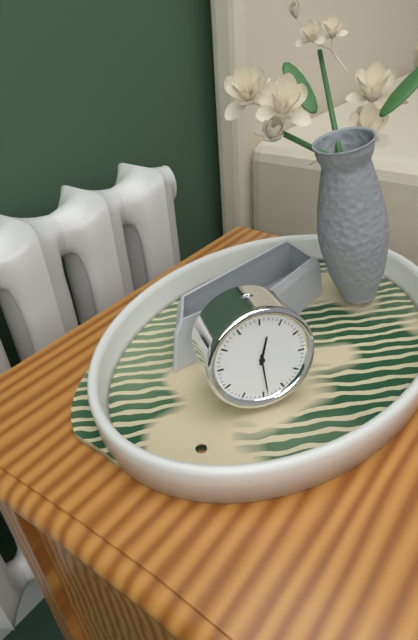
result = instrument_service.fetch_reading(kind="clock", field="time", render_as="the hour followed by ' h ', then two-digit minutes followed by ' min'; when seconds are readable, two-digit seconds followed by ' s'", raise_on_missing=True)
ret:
12 h 29 min
